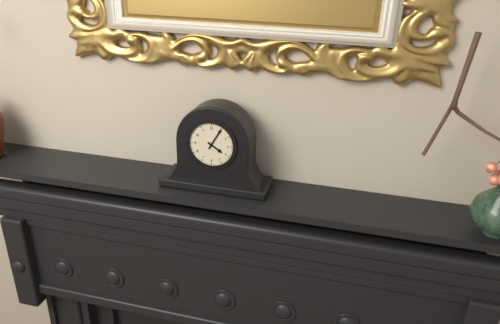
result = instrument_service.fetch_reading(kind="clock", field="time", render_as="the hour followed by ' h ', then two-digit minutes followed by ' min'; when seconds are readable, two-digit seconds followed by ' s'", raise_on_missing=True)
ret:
4 h 05 min
